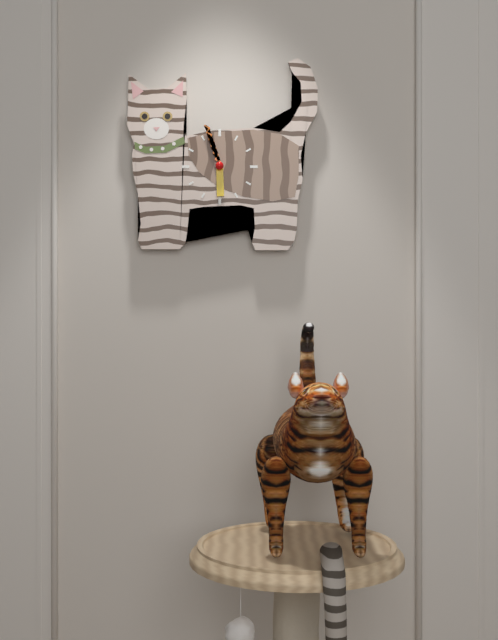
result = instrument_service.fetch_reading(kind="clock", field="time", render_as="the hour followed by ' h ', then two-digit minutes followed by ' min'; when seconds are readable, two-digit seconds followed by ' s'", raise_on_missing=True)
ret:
5 h 57 min
